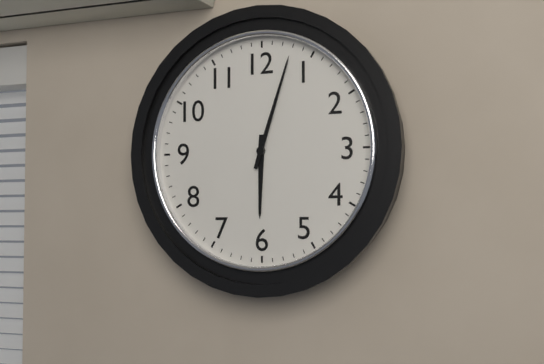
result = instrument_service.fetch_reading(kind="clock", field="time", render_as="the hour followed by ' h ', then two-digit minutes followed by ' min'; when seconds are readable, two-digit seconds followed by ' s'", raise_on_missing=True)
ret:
6 h 03 min
